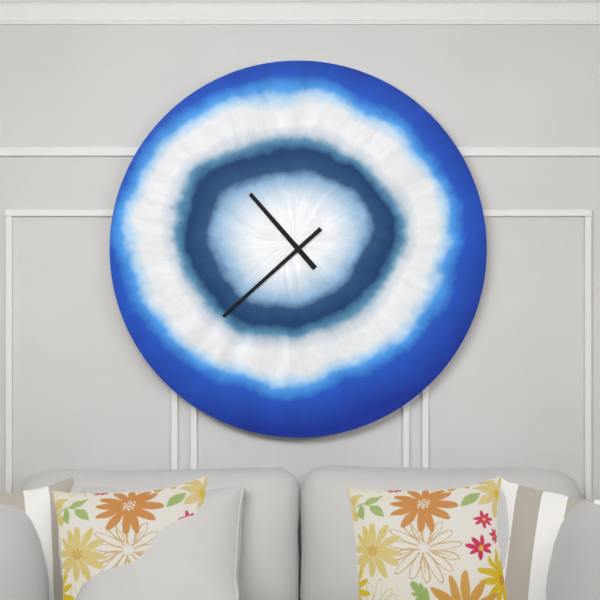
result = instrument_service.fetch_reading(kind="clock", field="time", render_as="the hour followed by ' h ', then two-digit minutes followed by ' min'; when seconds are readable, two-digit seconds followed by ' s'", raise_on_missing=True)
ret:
10 h 38 min
